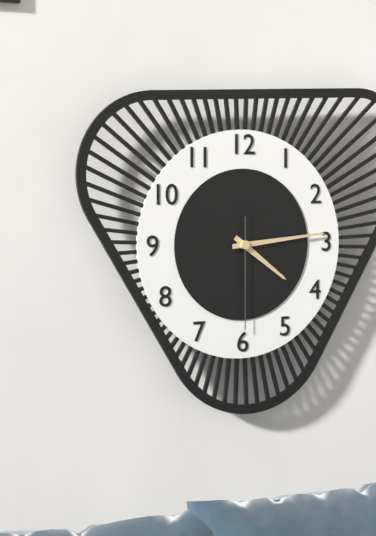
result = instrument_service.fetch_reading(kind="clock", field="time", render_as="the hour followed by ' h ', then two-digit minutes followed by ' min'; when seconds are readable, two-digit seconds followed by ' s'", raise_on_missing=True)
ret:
4 h 14 min 30 s
